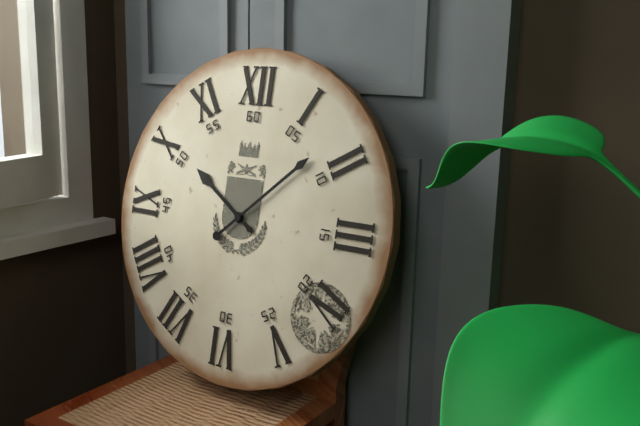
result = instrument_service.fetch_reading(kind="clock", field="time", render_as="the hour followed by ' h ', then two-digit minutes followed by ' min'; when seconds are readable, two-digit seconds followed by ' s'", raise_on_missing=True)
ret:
10 h 08 min
